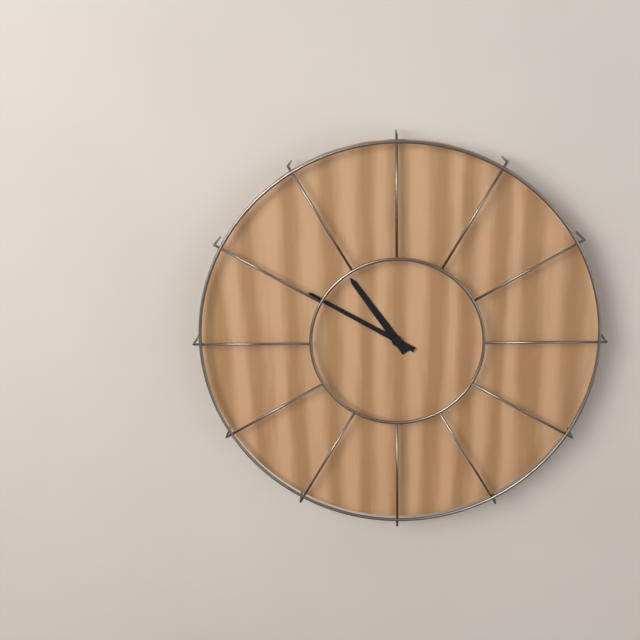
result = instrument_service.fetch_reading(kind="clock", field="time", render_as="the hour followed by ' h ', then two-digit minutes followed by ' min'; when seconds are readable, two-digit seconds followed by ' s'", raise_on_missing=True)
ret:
10 h 50 min
